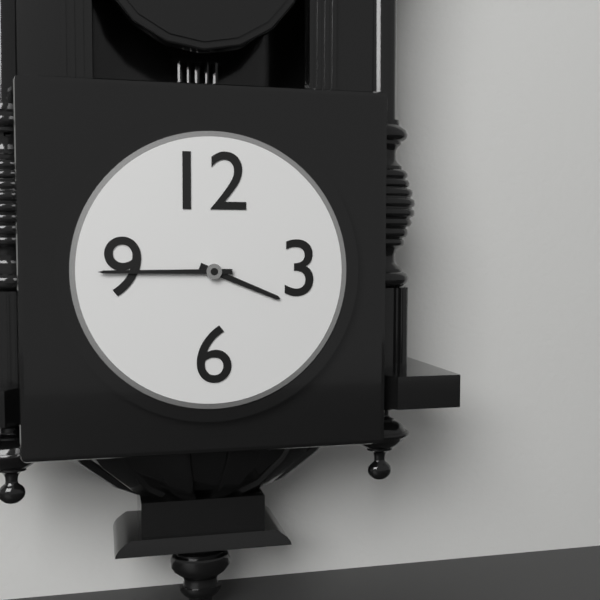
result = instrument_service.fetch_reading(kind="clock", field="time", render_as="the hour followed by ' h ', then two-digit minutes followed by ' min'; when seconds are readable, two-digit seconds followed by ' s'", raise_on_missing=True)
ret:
3 h 45 min
